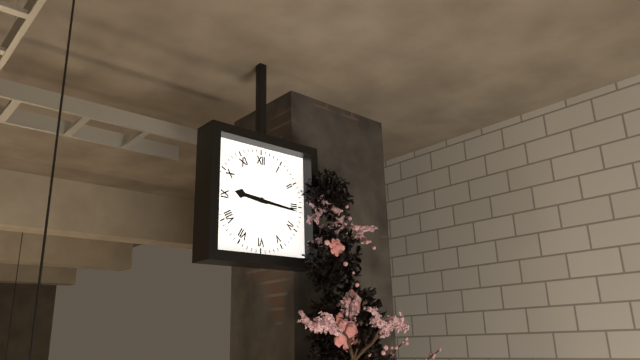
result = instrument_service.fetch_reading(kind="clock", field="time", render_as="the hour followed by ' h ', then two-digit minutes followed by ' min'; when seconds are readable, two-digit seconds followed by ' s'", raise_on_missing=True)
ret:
9 h 16 min
